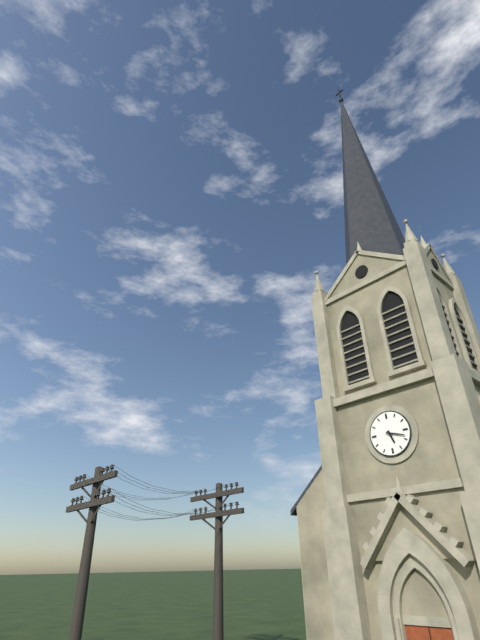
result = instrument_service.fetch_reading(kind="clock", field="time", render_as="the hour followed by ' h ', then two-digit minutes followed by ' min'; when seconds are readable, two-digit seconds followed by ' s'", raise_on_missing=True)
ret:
5 h 18 min
